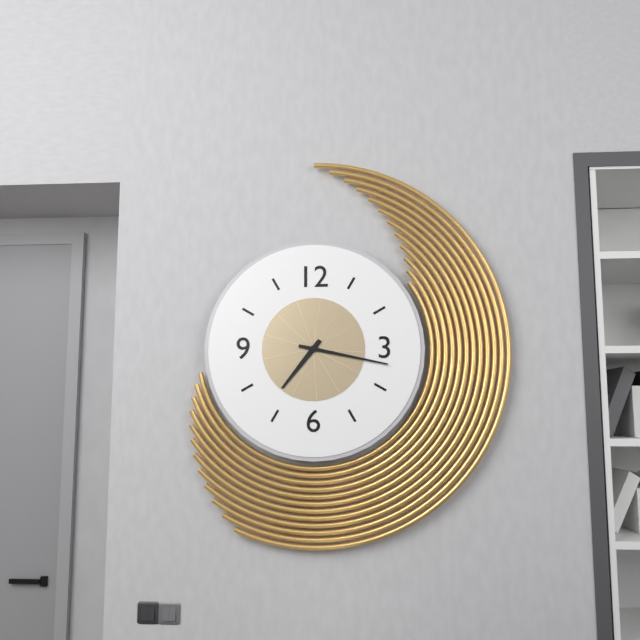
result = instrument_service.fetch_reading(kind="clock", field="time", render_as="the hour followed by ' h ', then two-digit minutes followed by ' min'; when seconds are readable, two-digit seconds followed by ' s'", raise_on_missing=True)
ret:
7 h 17 min
